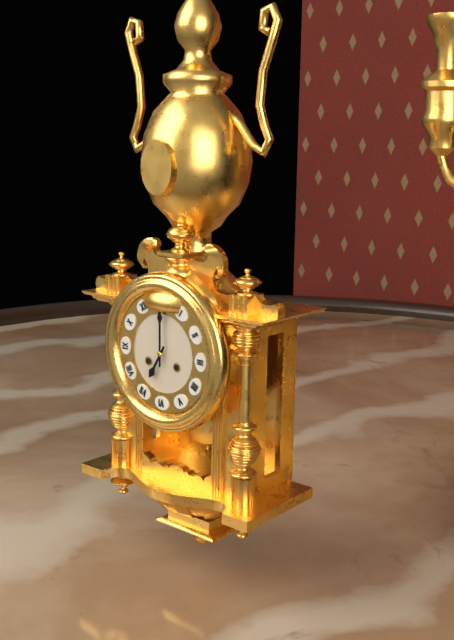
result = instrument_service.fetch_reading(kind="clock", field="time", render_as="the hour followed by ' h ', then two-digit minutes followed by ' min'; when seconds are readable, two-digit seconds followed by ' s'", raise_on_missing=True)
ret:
7 h 00 min
